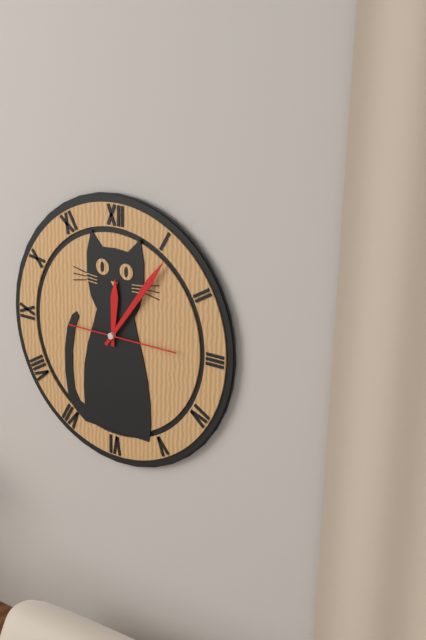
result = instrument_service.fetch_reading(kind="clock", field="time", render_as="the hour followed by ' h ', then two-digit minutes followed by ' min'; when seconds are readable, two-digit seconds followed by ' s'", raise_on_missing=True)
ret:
12 h 06 min 15 s
